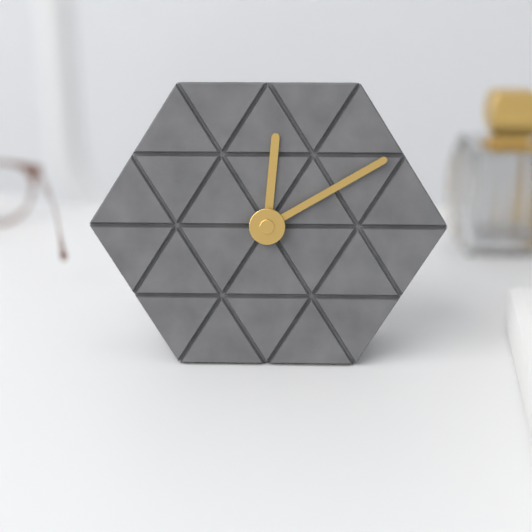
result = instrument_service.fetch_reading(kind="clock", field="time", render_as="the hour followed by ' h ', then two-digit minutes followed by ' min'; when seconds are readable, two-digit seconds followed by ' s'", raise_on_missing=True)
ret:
12 h 10 min
